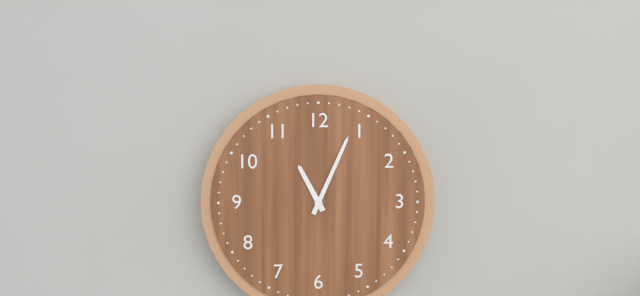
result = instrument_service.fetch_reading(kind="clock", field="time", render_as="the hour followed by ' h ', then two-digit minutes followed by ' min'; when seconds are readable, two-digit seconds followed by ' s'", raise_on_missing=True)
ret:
11 h 04 min
